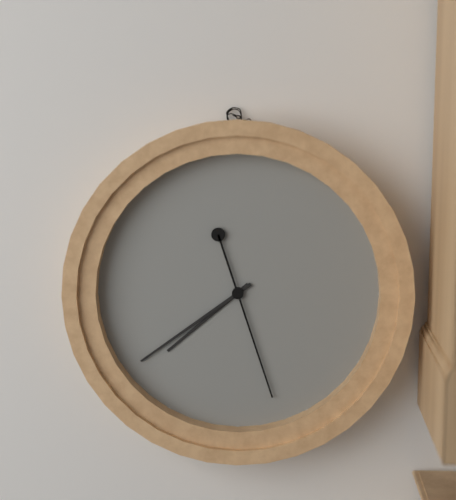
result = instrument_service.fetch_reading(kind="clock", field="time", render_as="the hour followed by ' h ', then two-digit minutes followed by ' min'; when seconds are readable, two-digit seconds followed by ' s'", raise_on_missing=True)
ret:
7 h 39 min 27 s
